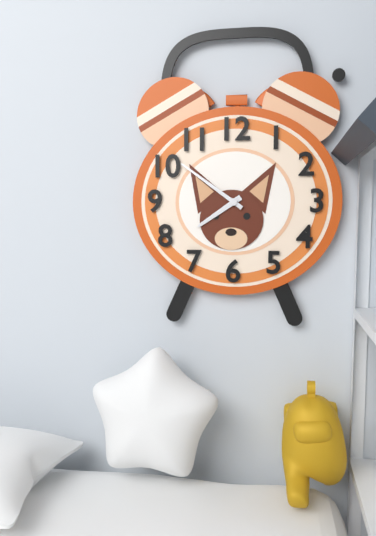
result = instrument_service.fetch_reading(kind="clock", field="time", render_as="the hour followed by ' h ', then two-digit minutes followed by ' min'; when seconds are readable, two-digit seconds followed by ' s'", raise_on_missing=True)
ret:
7 h 51 min
